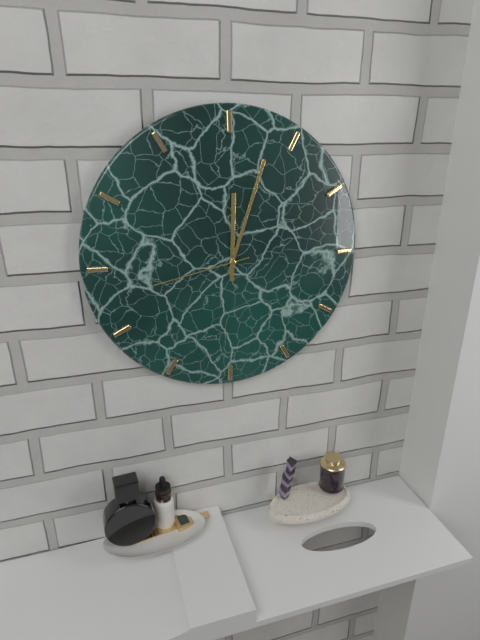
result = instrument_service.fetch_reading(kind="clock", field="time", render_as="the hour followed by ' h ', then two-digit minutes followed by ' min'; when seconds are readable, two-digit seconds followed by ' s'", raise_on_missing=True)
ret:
12 h 03 min 43 s
